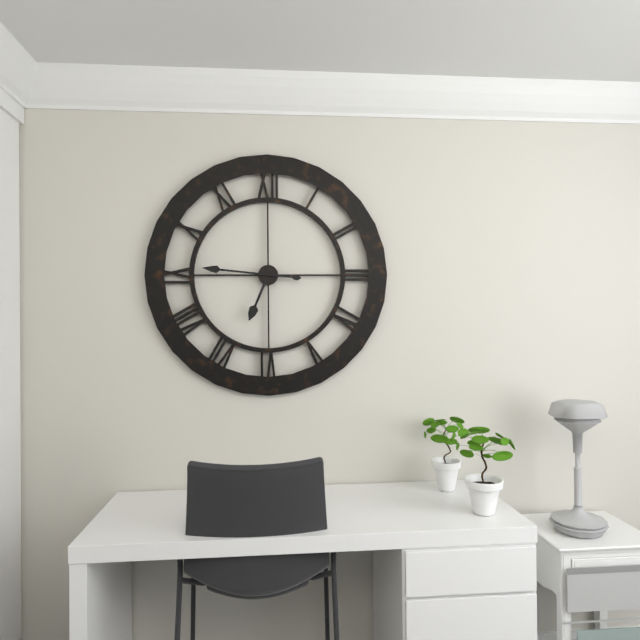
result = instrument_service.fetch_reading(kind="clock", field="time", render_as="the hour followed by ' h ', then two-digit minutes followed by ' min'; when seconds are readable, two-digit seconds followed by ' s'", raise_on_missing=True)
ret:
6 h 46 min
